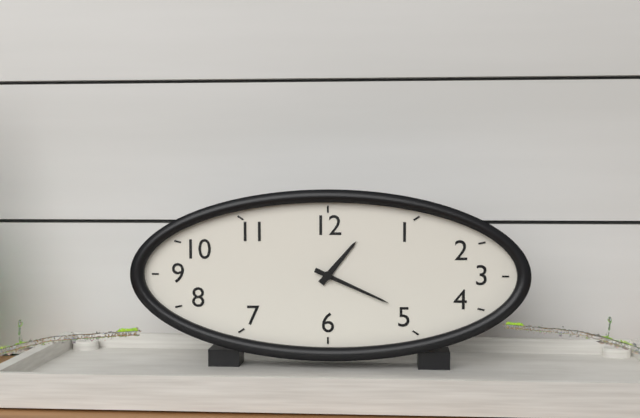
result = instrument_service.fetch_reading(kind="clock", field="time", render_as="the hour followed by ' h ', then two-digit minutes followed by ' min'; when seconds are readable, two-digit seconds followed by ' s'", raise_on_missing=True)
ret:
1 h 19 min
